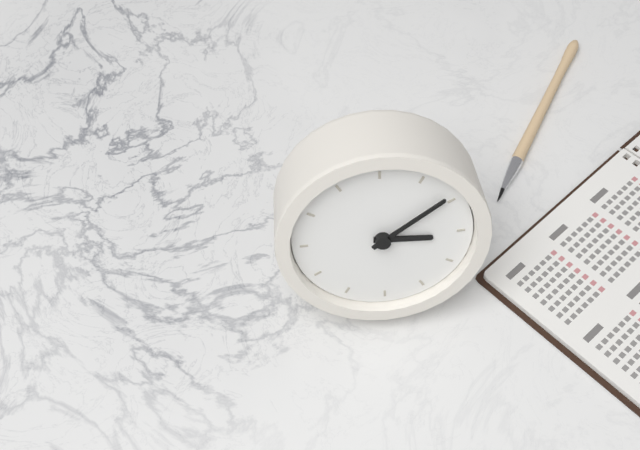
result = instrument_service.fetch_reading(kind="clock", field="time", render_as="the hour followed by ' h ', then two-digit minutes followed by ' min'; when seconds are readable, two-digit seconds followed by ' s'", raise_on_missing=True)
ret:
3 h 09 min
